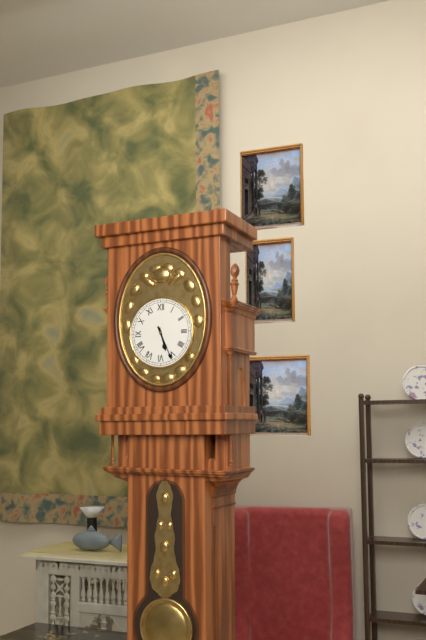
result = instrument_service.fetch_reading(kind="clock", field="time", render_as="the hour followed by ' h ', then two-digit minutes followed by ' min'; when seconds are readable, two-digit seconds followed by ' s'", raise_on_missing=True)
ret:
5 h 26 min
